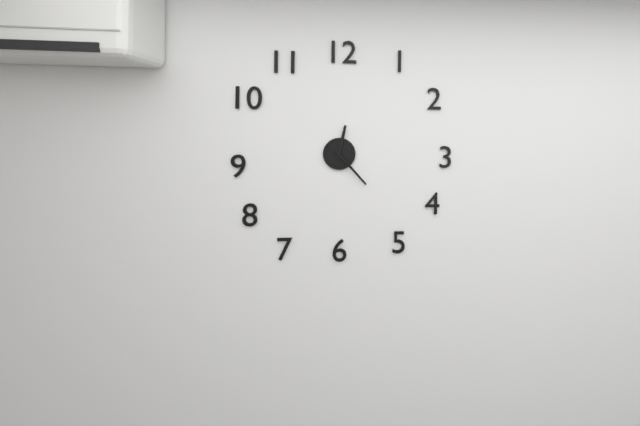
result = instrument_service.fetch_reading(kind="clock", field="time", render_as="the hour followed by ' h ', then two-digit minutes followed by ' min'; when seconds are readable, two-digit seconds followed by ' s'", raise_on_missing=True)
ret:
12 h 23 min
